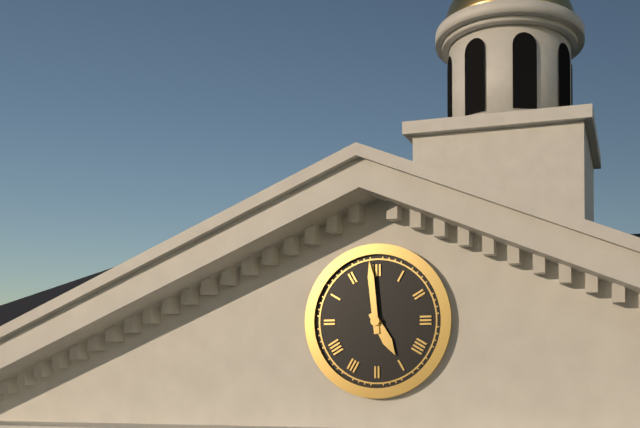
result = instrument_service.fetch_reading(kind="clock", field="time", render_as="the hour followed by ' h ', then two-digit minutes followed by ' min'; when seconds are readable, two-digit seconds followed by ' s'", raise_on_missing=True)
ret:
4 h 59 min
